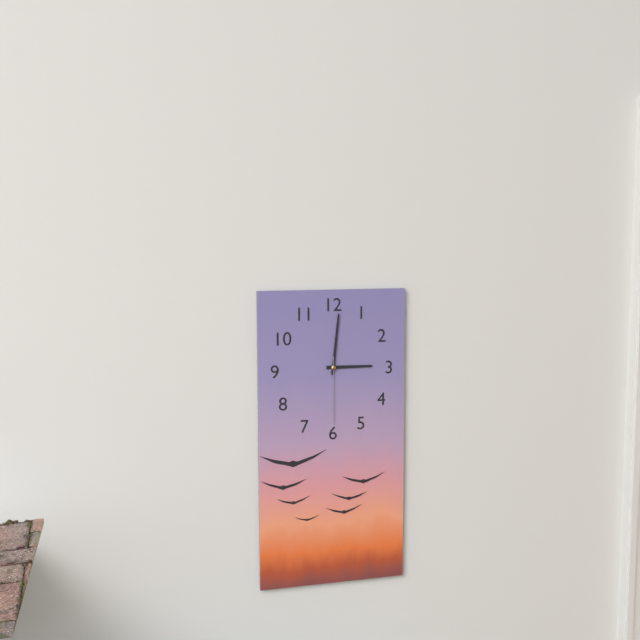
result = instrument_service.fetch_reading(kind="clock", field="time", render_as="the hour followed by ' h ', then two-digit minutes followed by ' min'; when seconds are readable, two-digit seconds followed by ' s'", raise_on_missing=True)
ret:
3 h 01 min 30 s
